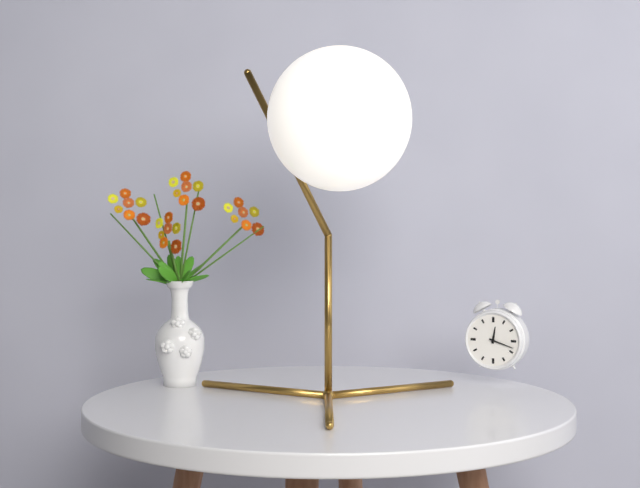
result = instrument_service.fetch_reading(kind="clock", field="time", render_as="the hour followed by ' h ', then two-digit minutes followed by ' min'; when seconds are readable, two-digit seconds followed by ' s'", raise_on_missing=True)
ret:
12 h 18 min
